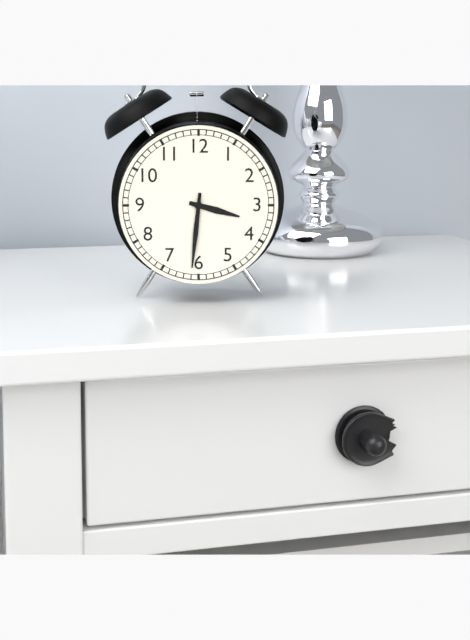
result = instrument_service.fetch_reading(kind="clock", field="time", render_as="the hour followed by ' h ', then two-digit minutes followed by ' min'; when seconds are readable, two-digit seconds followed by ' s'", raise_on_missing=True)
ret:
3 h 31 min
